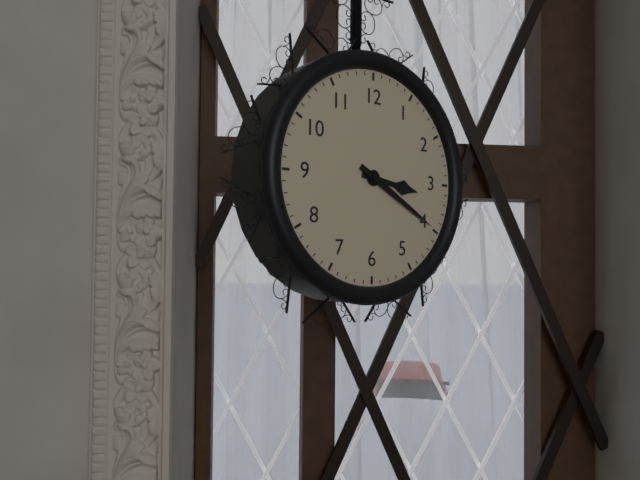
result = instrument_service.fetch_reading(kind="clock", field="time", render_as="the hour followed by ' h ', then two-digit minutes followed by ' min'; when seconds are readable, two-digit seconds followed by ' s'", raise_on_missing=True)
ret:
3 h 20 min
